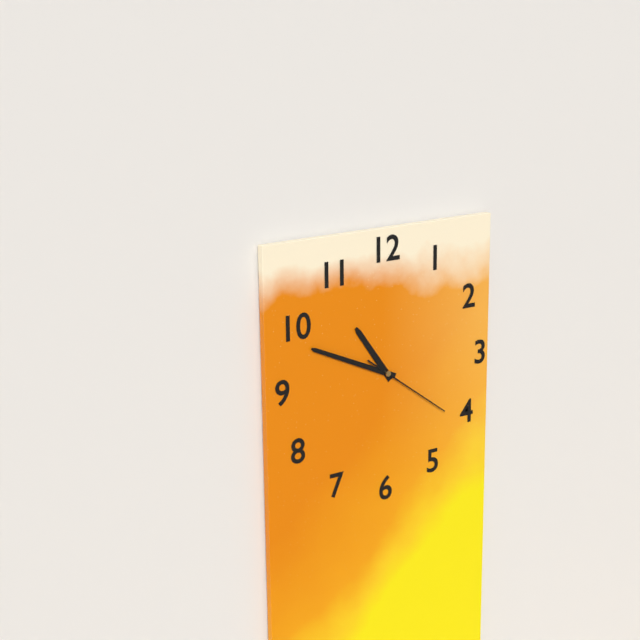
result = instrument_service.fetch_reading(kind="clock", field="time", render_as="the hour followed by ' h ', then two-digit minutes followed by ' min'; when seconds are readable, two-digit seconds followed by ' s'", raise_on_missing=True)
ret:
10 h 49 min 21 s
